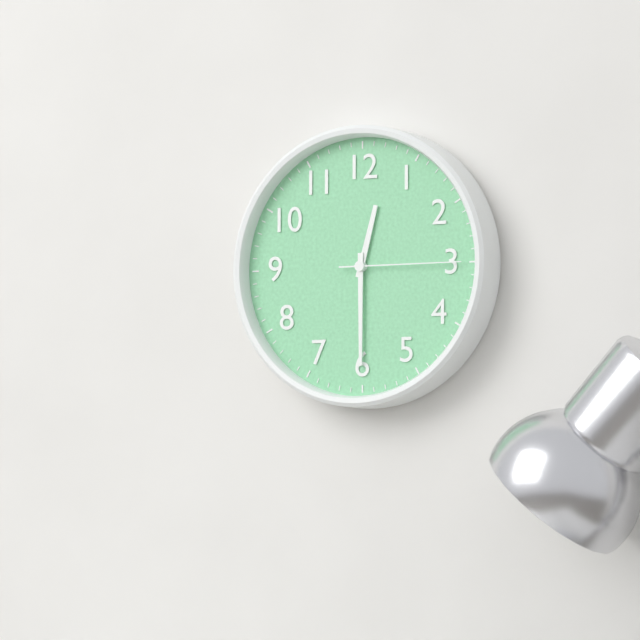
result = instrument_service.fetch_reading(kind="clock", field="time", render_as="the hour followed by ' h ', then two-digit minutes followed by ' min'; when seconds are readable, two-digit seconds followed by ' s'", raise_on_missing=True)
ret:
12 h 30 min 15 s
